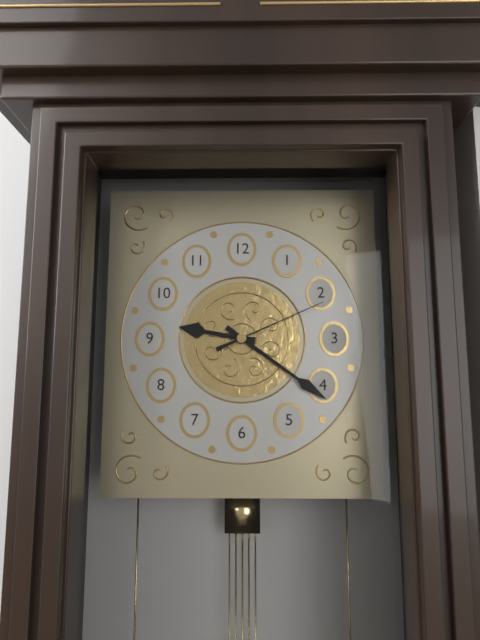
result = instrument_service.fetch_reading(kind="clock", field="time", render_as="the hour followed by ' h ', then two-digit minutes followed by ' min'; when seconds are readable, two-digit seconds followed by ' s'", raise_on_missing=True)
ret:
9 h 21 min 11 s
